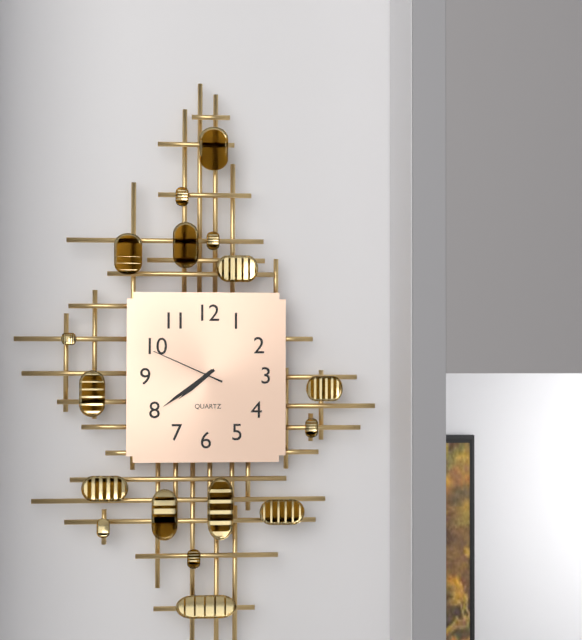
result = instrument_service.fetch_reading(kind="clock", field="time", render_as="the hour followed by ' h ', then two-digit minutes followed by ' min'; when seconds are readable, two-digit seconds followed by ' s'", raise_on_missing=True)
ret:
7 h 39 min 49 s
